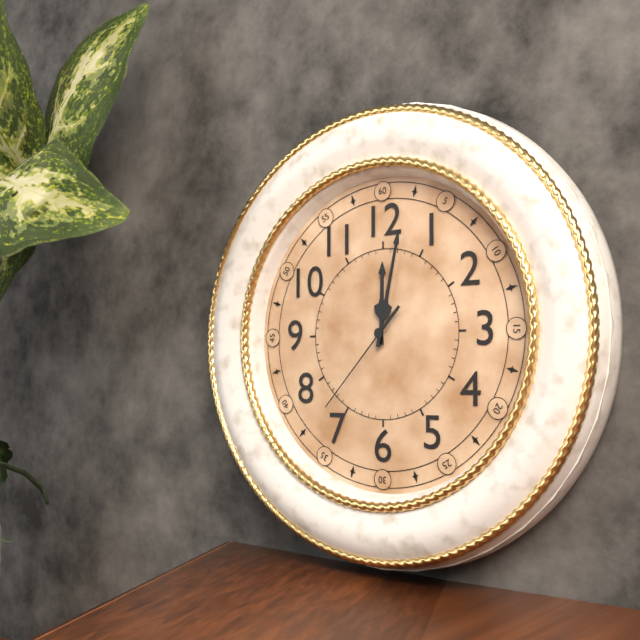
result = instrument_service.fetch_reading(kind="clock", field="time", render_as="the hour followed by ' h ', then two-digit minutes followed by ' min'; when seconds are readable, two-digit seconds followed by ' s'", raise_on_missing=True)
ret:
12 h 02 min 37 s
